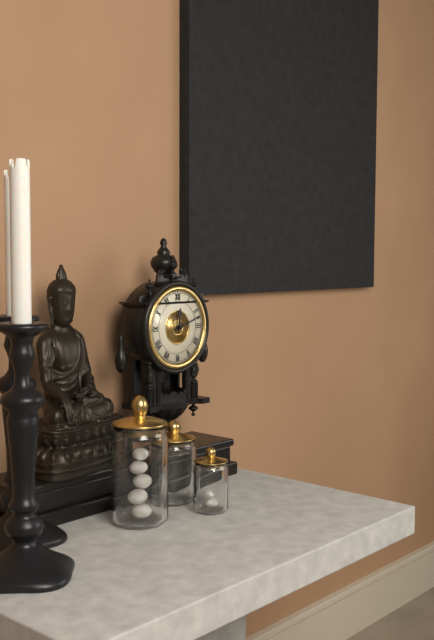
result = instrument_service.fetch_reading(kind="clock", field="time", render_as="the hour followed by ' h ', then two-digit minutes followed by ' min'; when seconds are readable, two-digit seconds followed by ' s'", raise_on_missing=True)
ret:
12 h 12 min
